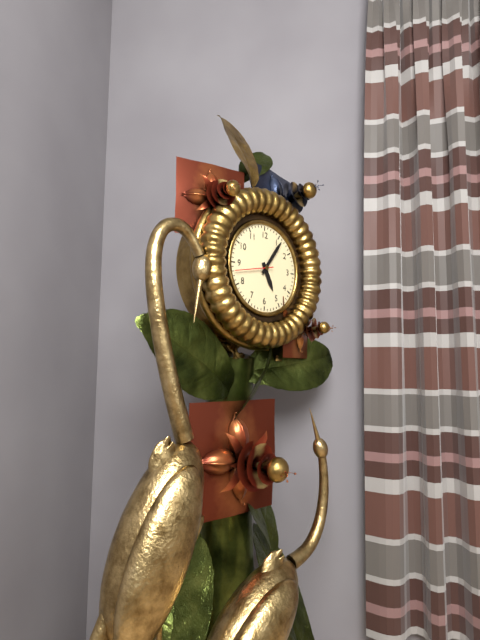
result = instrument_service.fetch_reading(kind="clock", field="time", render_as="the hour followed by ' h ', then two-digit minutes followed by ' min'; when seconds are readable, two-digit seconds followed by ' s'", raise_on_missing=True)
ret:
5 h 06 min
